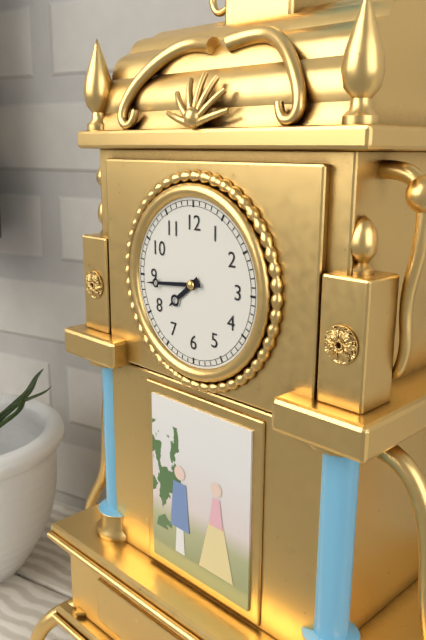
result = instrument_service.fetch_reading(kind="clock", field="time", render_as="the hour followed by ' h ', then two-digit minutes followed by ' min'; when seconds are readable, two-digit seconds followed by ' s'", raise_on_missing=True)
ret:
7 h 44 min
